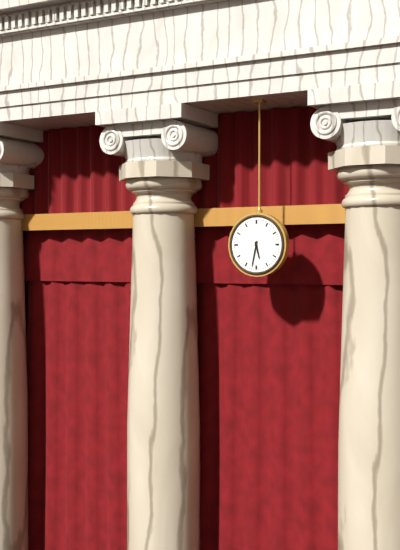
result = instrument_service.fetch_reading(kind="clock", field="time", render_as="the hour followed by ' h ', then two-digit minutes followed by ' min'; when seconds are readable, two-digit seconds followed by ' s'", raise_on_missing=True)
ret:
5 h 32 min
